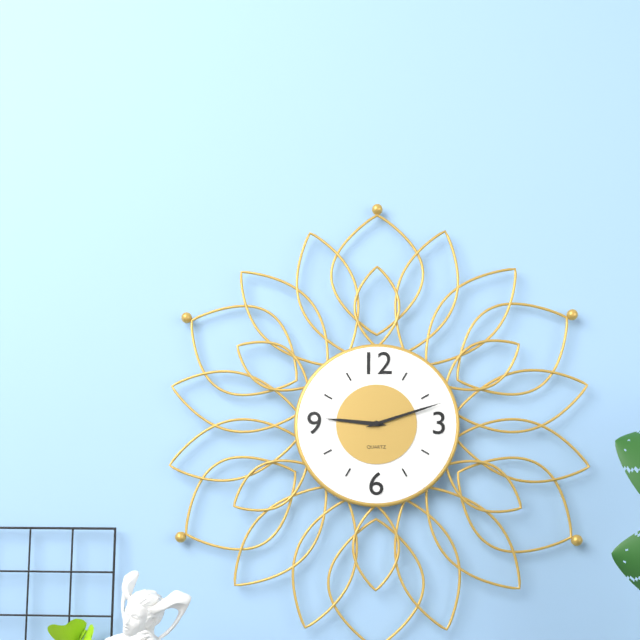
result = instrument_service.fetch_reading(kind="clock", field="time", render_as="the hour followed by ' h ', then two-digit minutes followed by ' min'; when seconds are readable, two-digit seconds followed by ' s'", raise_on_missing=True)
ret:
9 h 12 min
